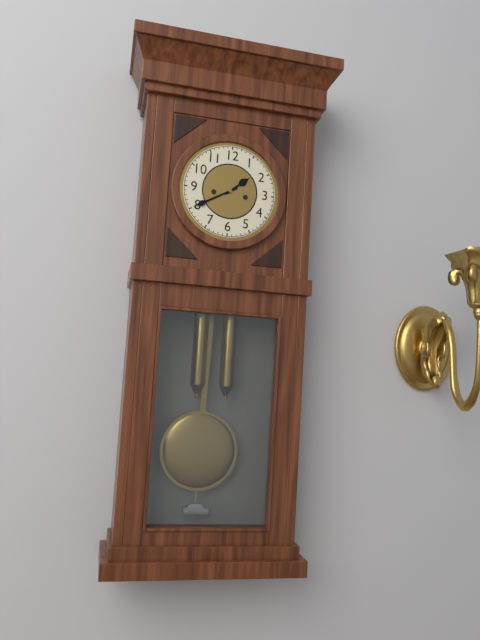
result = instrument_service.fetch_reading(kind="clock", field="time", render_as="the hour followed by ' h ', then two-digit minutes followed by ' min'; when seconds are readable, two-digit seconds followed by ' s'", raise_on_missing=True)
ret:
1 h 40 min
